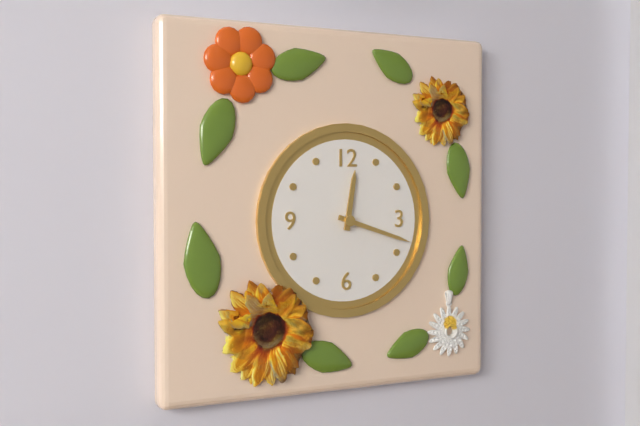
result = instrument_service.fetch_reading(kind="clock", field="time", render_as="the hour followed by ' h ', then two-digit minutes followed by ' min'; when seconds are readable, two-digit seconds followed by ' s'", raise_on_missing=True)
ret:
12 h 18 min
